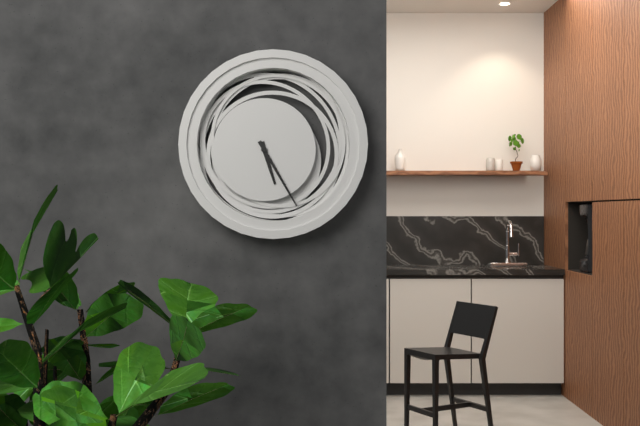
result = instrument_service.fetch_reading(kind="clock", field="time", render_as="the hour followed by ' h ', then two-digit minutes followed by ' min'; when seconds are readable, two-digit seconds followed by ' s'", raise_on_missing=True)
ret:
5 h 25 min
